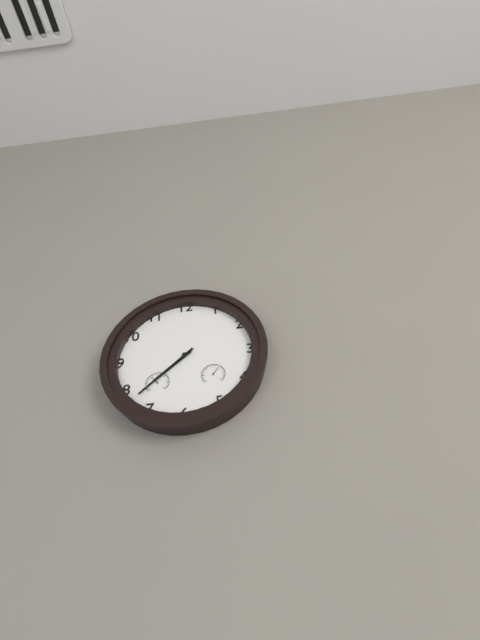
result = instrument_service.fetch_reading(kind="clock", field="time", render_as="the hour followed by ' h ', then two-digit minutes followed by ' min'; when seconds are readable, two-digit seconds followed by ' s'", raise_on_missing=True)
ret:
7 h 38 min
